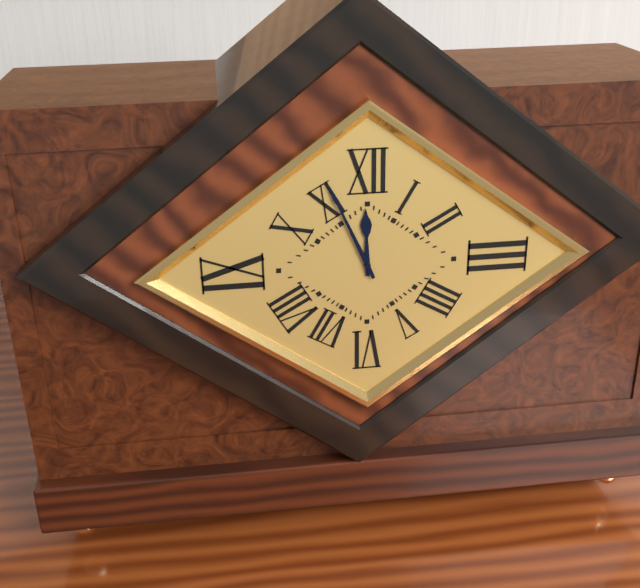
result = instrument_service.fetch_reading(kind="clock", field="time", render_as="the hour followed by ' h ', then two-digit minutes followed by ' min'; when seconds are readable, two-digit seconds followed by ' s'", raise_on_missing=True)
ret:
11 h 56 min
